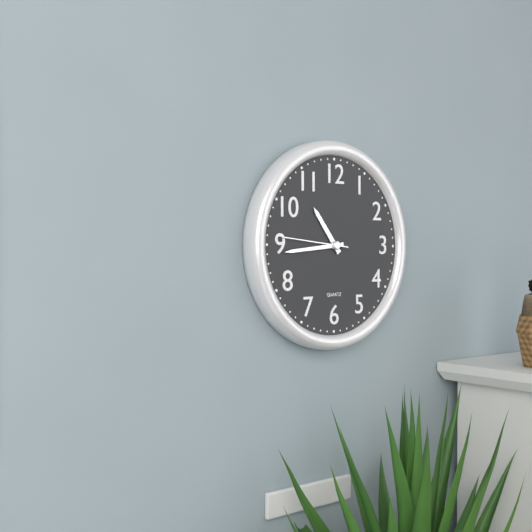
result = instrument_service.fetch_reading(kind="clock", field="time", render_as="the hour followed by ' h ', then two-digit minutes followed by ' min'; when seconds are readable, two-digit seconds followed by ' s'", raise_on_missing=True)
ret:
10 h 44 min 46 s
